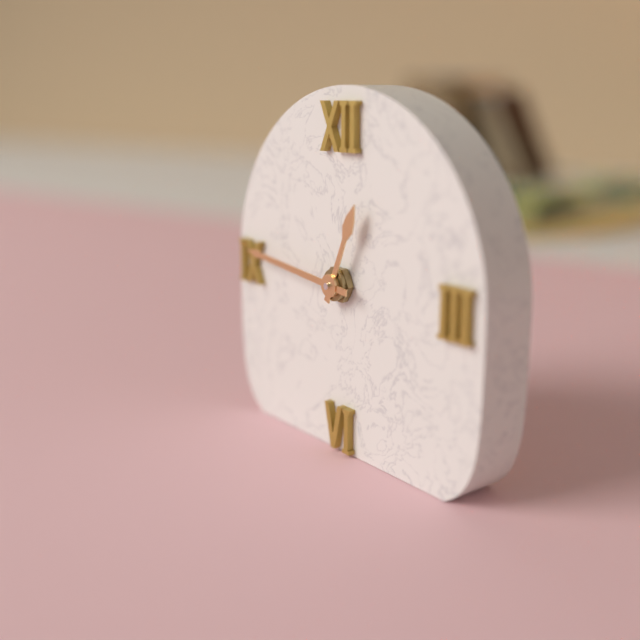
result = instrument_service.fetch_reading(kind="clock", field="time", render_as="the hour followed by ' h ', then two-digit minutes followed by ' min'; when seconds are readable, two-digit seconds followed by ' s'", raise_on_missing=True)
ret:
12 h 46 min
